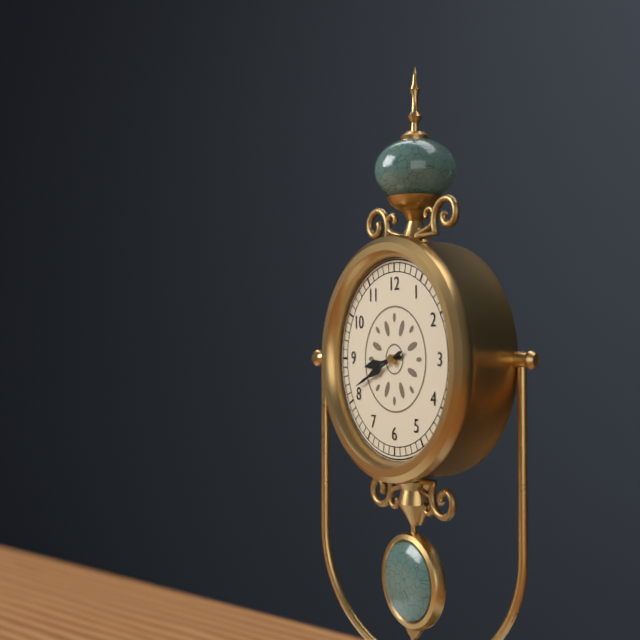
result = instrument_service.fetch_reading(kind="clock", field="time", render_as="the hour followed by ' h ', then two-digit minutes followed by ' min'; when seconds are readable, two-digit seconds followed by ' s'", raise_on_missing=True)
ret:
8 h 41 min
